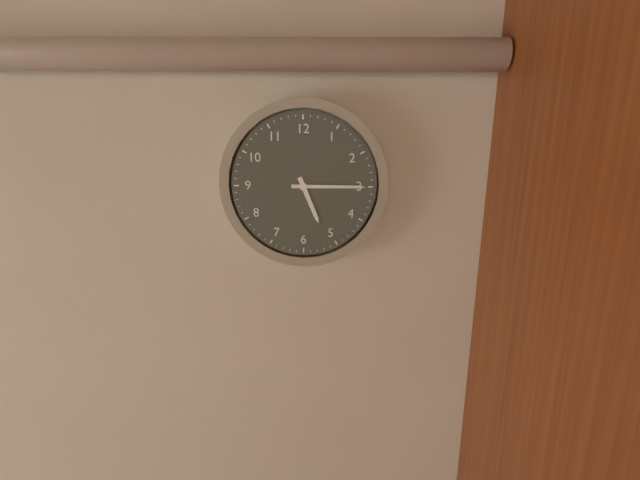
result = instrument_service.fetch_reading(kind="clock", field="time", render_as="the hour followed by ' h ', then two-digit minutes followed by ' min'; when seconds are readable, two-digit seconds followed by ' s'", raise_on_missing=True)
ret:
5 h 15 min
